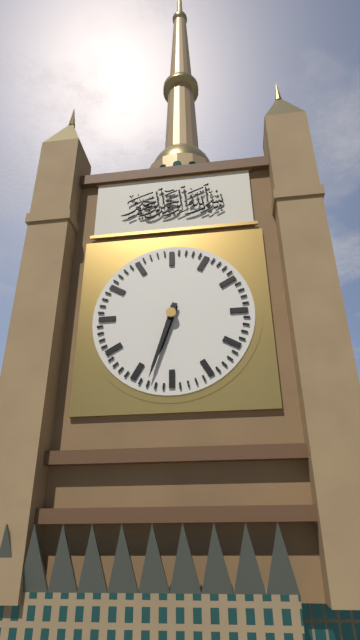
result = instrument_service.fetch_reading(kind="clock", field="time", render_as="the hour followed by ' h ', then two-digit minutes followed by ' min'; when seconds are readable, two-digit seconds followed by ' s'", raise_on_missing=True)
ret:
6 h 33 min
